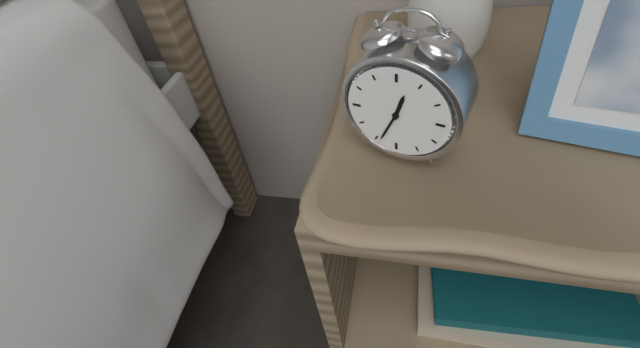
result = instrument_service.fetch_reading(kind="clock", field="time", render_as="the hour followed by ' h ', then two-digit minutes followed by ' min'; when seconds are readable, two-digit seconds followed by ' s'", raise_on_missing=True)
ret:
12 h 34 min
